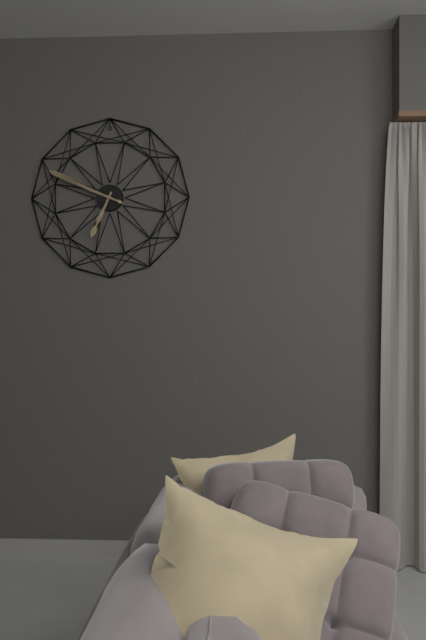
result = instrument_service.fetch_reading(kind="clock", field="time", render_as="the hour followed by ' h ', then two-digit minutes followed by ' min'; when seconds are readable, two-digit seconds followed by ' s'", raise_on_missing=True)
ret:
6 h 49 min
